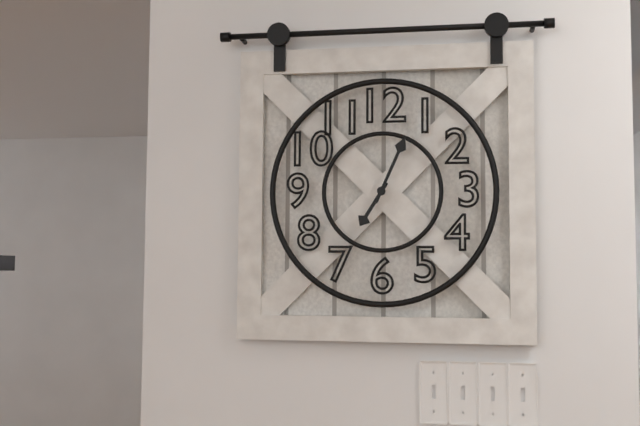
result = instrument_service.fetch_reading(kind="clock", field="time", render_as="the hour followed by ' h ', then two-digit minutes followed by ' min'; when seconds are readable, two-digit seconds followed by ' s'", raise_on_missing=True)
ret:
7 h 04 min
